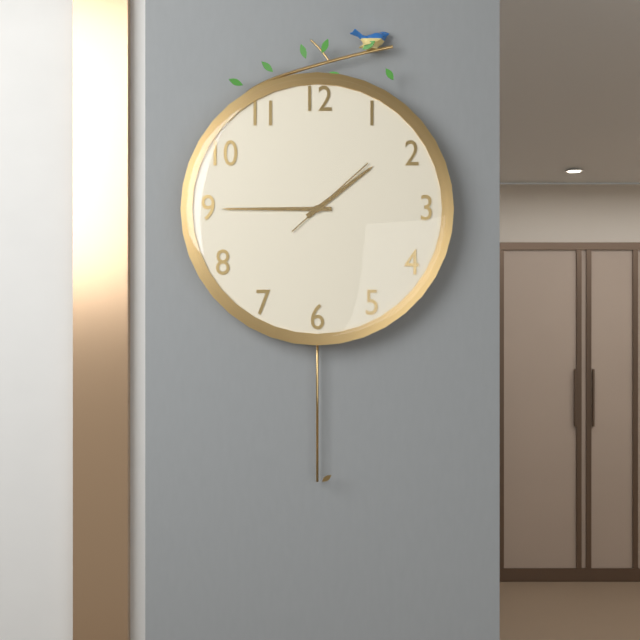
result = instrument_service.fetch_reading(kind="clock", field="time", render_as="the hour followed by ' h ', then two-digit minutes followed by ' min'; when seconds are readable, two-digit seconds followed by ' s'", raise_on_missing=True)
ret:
1 h 45 min 08 s
